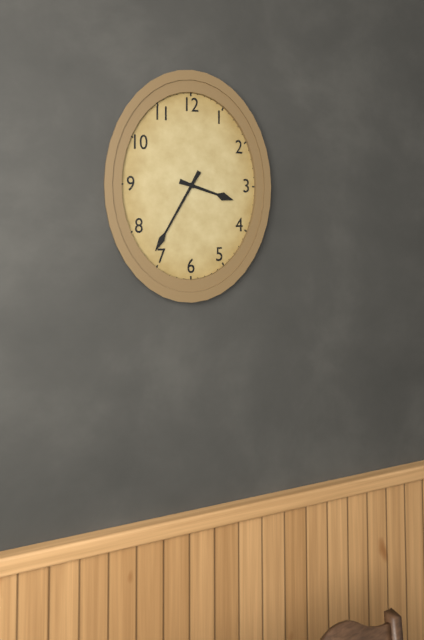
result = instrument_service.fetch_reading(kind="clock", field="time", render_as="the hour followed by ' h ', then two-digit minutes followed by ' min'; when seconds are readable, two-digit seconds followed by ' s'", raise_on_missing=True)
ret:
3 h 35 min
